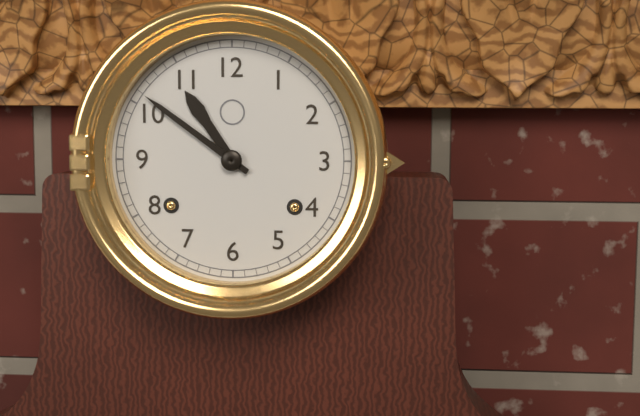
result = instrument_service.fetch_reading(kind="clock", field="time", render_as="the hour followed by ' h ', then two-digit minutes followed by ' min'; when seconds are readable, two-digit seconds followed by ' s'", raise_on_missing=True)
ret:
10 h 51 min
